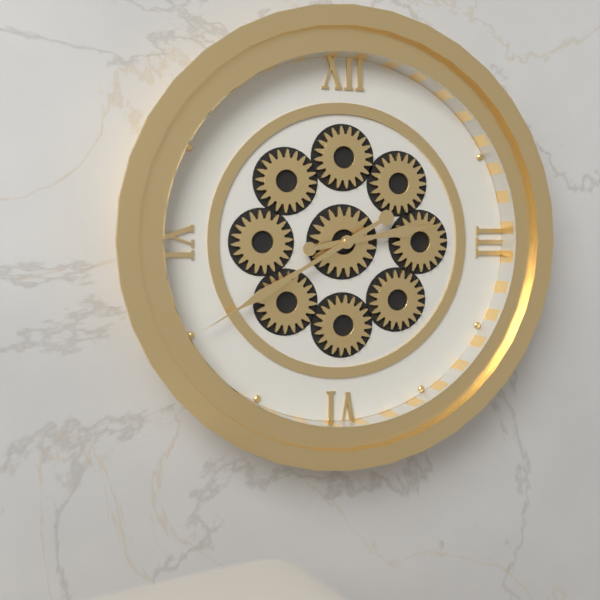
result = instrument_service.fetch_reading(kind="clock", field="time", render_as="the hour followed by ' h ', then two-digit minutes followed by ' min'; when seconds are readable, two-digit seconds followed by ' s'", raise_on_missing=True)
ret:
2 h 40 min
